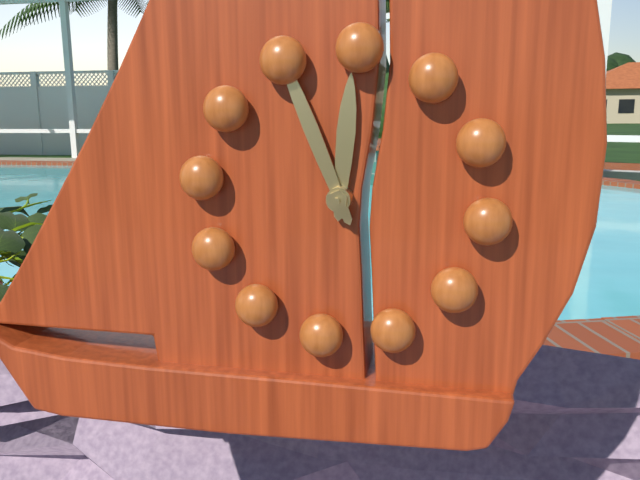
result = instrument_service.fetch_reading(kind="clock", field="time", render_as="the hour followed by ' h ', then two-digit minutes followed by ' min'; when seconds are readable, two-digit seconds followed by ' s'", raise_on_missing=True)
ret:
11 h 55 min
